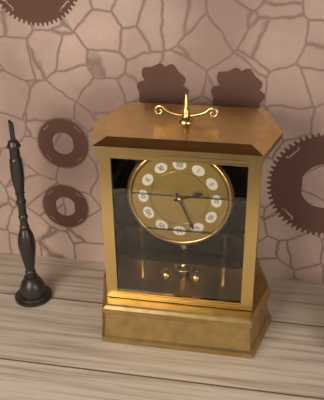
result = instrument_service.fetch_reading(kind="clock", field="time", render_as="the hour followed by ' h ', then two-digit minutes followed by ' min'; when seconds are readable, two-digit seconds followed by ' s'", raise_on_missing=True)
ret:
2 h 26 min
